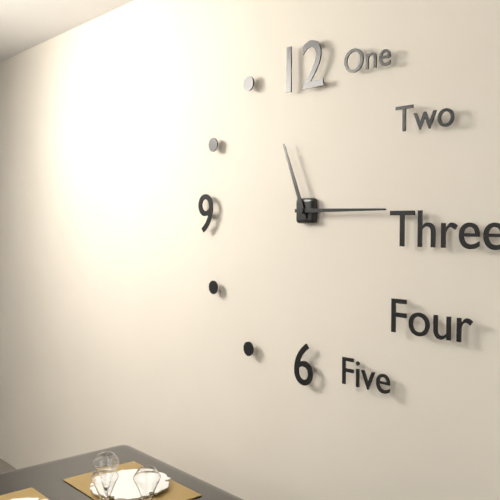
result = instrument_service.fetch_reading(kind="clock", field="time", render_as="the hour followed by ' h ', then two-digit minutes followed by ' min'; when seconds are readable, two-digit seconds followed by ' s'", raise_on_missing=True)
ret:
11 h 15 min
